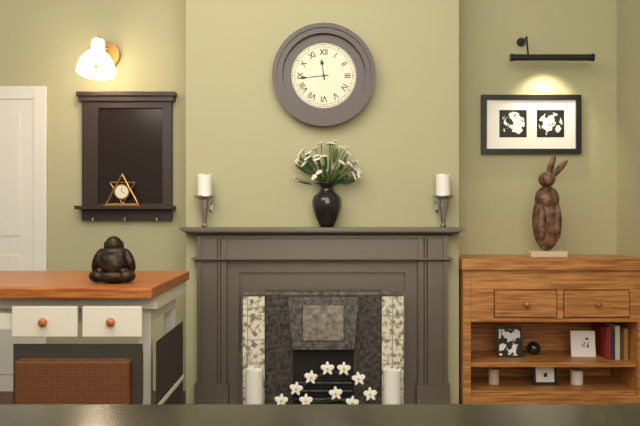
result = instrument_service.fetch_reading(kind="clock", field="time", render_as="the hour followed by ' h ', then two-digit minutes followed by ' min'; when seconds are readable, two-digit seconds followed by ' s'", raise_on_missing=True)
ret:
11 h 44 min
